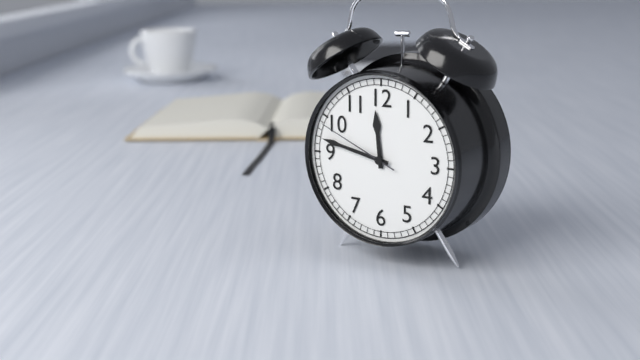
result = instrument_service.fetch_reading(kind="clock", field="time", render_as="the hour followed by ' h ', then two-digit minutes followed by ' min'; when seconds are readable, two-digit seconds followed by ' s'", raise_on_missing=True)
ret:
11 h 47 min 49 s
